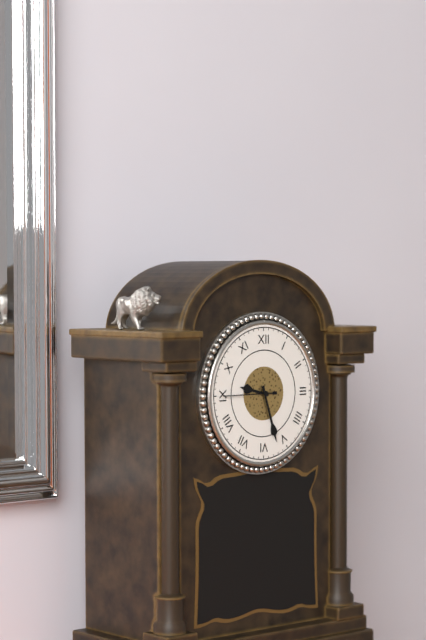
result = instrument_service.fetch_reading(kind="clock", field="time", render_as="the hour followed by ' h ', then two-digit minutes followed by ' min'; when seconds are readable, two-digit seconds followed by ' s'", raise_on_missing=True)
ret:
9 h 27 min 45 s
